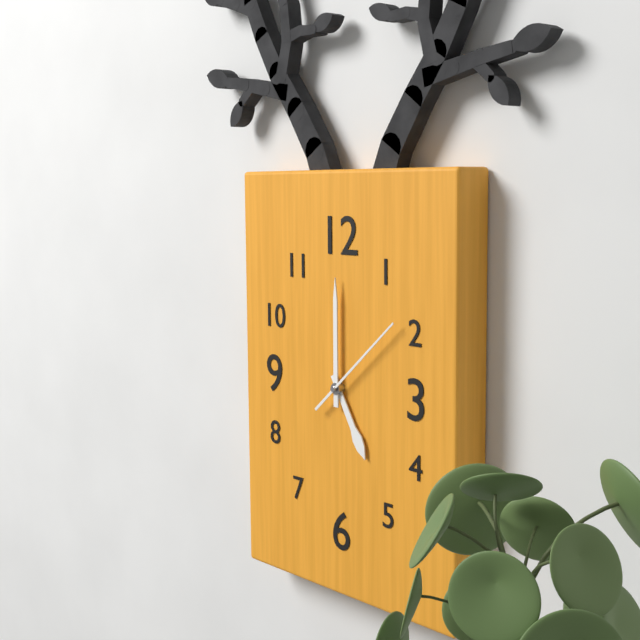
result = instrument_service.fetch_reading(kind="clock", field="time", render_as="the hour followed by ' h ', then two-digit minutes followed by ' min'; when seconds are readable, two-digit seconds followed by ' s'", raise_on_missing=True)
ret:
5 h 00 min 08 s
